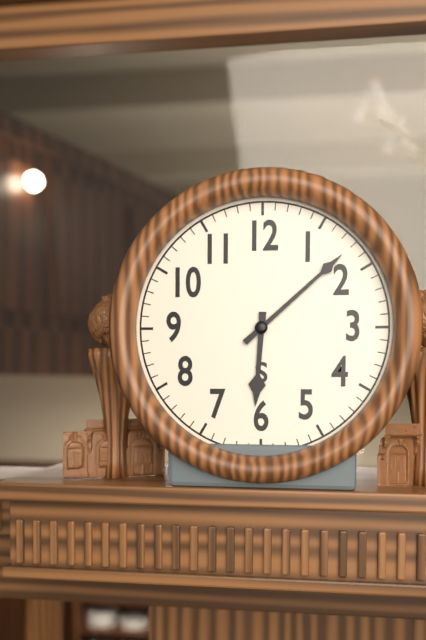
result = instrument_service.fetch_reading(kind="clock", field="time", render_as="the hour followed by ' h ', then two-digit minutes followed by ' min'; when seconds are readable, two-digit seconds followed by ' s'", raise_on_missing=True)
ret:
6 h 08 min
